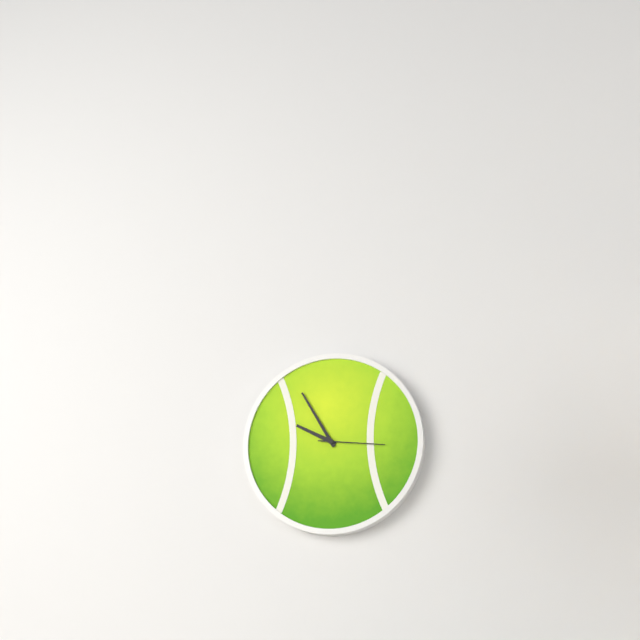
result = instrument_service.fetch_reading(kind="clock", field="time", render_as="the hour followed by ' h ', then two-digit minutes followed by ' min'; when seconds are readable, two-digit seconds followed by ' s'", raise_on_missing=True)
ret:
9 h 55 min 16 s
